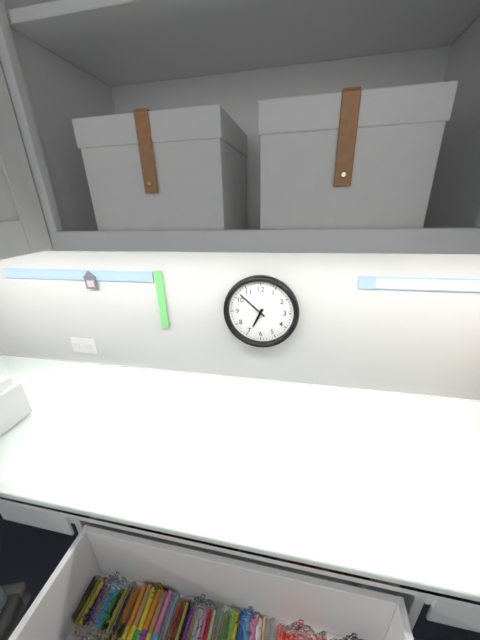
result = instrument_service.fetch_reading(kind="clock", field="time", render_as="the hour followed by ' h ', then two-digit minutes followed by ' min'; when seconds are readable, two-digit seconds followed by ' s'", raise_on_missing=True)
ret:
6 h 52 min
